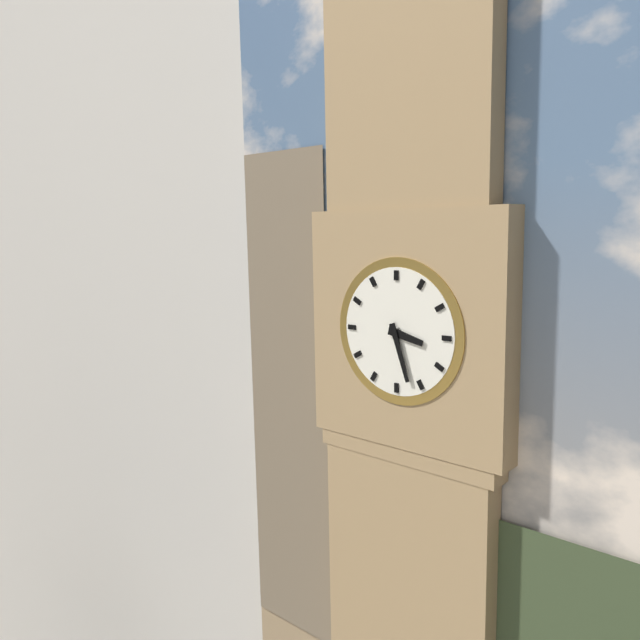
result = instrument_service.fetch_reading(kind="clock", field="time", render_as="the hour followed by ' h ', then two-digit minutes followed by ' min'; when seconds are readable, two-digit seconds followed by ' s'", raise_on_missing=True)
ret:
3 h 27 min
